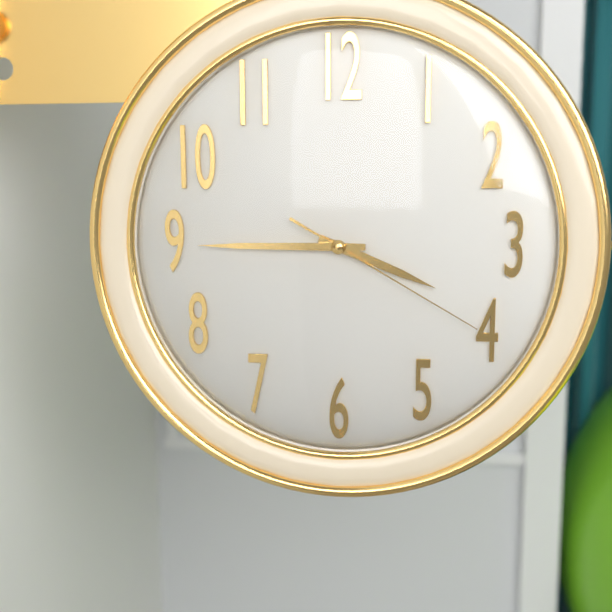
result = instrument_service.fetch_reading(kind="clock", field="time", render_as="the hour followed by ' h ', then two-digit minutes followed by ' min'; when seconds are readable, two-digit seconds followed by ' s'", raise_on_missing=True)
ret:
3 h 45 min 20 s
